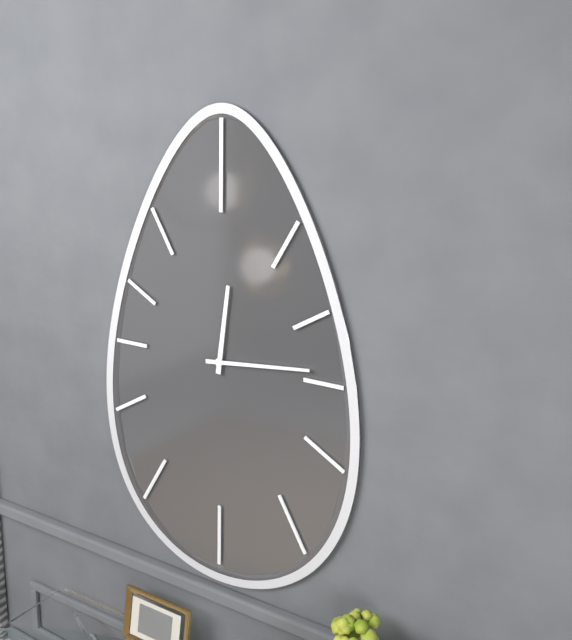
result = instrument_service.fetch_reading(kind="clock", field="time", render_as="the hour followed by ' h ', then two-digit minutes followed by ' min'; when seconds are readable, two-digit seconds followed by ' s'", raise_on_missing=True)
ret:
12 h 14 min
